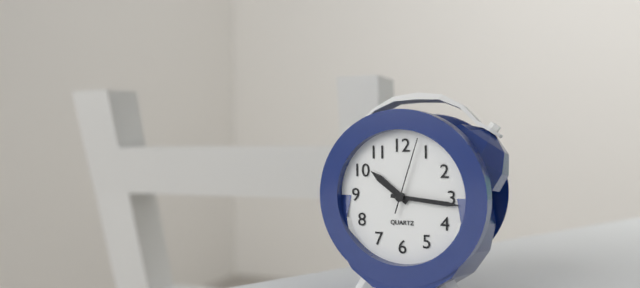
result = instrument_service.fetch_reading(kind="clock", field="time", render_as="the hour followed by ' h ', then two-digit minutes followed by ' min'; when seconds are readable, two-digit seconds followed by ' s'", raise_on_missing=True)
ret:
10 h 16 min 03 s
